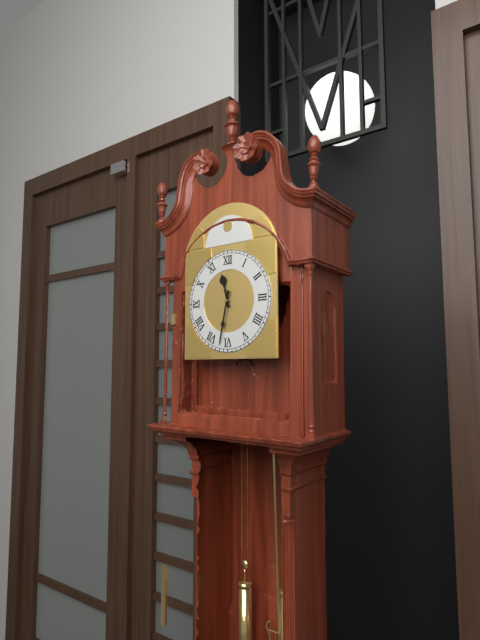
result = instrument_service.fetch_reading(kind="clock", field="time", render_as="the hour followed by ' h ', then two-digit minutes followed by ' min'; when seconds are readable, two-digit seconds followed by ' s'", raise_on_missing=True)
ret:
11 h 32 min
